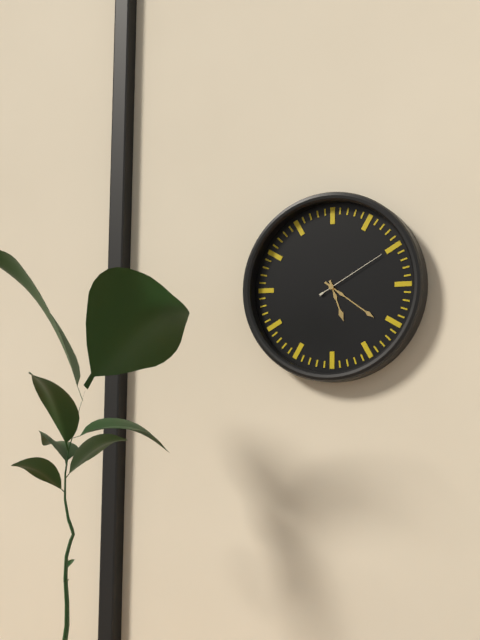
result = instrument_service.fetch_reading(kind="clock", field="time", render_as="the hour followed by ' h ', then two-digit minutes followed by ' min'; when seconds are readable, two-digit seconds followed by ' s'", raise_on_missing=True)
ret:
5 h 21 min 10 s
